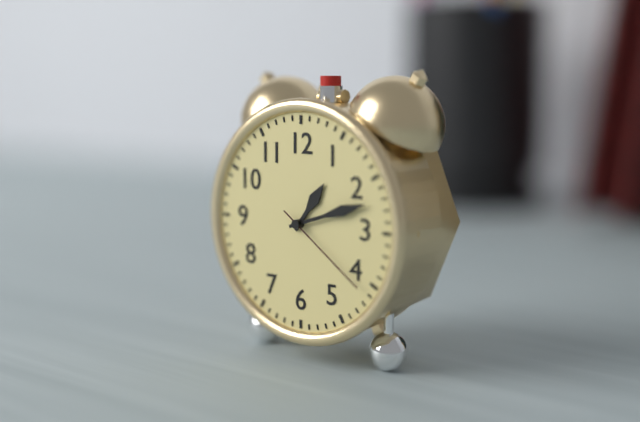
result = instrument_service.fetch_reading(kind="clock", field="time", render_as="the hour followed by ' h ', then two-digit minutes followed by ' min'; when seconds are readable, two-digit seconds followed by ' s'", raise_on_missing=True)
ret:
1 h 12 min 21 s
